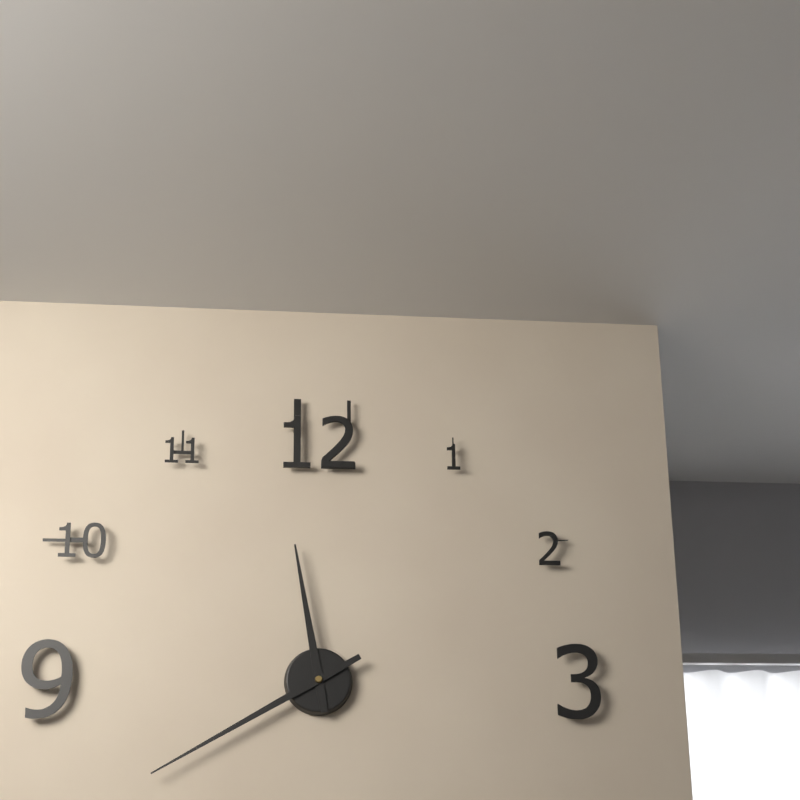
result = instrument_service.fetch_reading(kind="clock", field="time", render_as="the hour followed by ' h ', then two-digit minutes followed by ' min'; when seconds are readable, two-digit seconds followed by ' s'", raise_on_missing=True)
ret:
11 h 40 min
